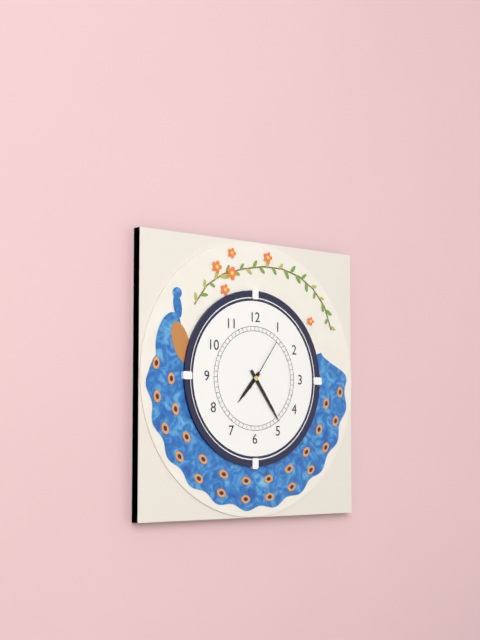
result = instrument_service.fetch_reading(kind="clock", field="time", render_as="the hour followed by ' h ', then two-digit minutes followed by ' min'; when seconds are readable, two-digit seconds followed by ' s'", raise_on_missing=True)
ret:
7 h 24 min 06 s
